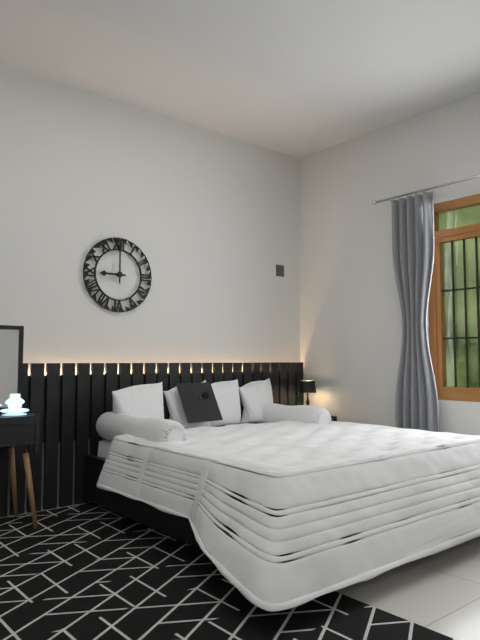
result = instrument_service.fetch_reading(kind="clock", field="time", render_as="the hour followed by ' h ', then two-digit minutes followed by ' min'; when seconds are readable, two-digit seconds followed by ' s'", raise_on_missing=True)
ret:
9 h 00 min
